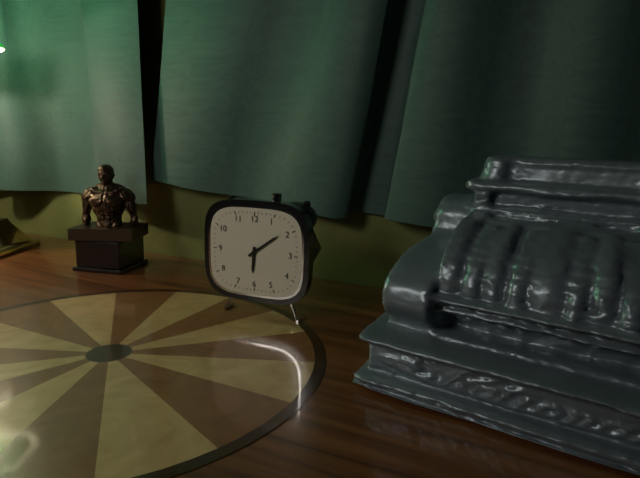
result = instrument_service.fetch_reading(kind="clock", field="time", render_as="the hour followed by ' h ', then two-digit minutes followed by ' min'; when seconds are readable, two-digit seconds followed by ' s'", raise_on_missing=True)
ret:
6 h 09 min
